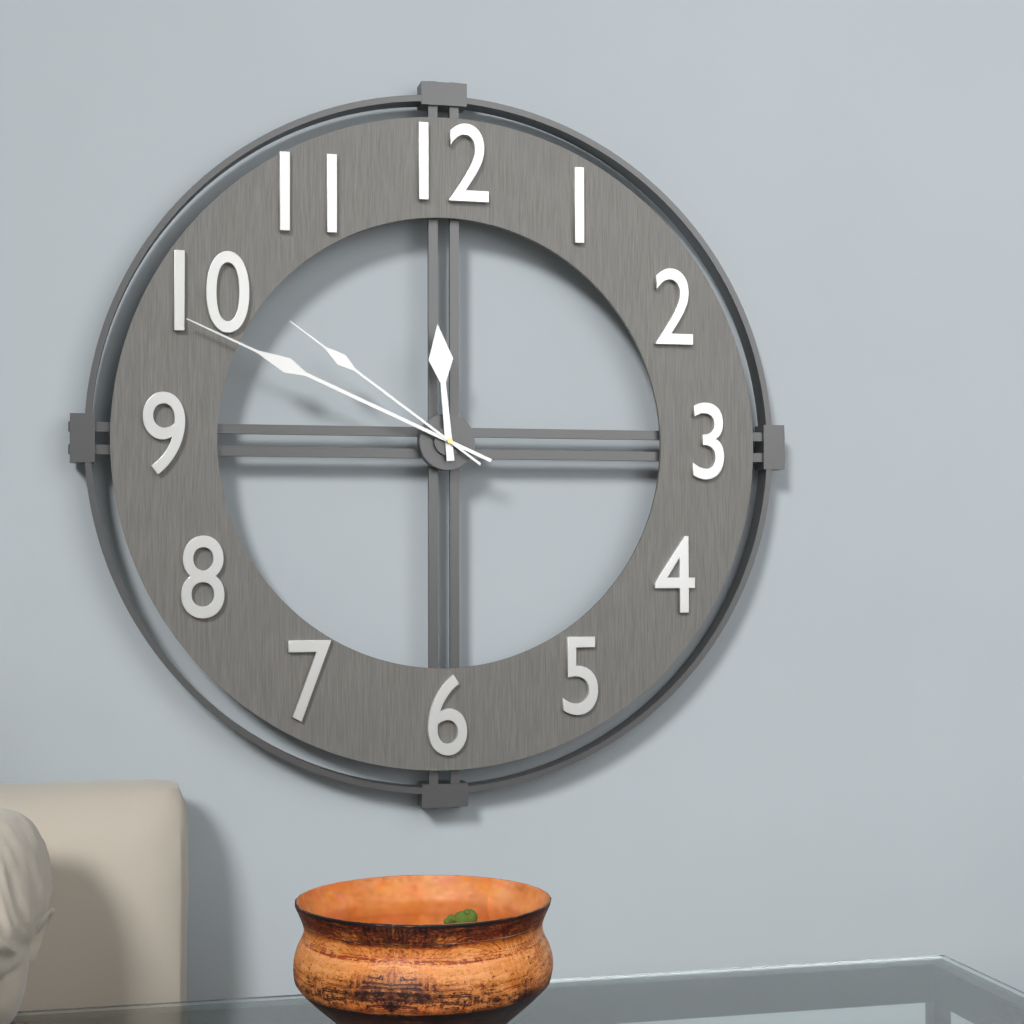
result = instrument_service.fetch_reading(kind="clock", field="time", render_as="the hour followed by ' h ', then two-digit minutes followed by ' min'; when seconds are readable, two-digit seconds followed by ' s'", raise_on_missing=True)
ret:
11 h 49 min 51 s
